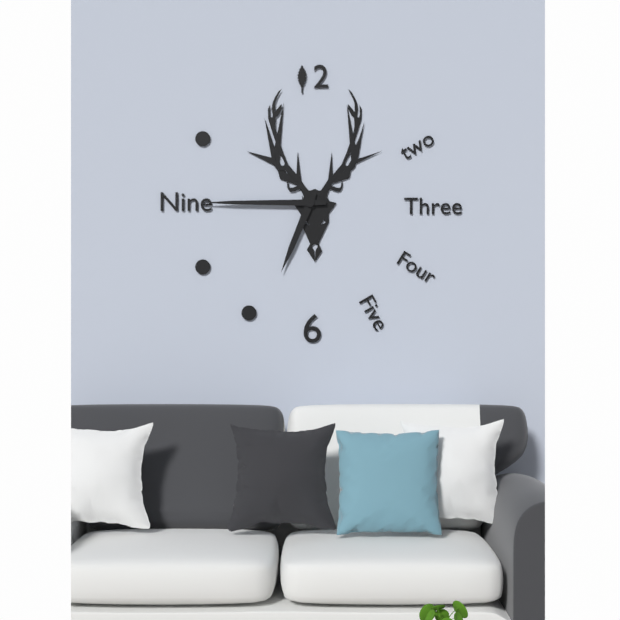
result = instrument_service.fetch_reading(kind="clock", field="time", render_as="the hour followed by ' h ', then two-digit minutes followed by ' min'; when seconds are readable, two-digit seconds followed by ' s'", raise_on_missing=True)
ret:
6 h 45 min
